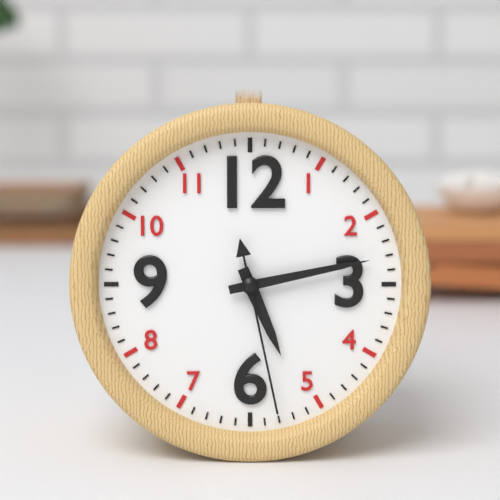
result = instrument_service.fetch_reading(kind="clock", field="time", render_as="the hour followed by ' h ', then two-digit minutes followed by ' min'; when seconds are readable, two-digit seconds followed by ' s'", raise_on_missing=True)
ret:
5 h 13 min 28 s
